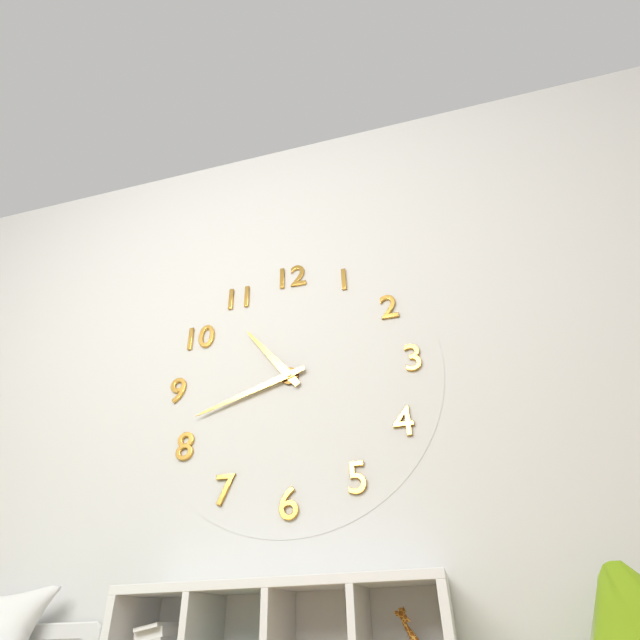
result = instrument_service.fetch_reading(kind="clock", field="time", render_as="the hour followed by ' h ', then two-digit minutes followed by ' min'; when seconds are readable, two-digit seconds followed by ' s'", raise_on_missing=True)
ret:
10 h 42 min
